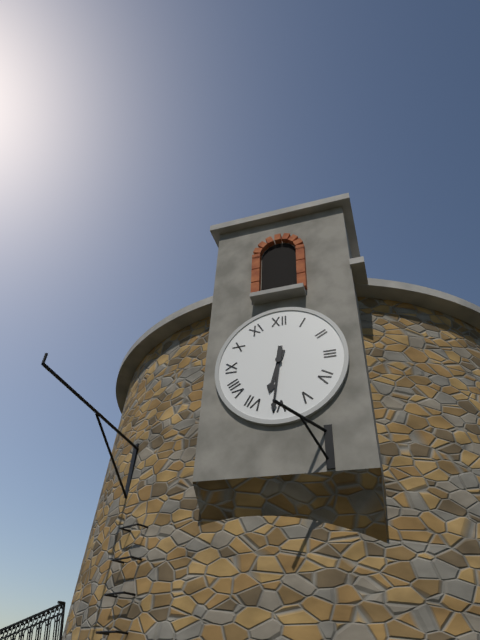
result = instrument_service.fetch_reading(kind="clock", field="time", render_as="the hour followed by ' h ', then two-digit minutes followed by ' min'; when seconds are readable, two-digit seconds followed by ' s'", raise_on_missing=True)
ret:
6 h 31 min
